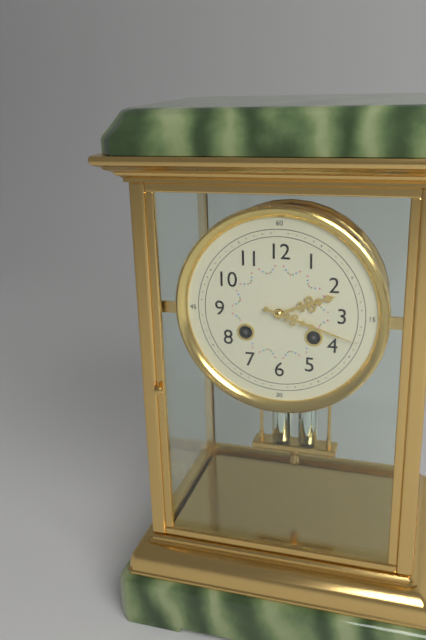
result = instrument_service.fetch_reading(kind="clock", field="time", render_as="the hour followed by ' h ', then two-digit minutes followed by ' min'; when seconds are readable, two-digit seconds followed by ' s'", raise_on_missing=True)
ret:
2 h 18 min
